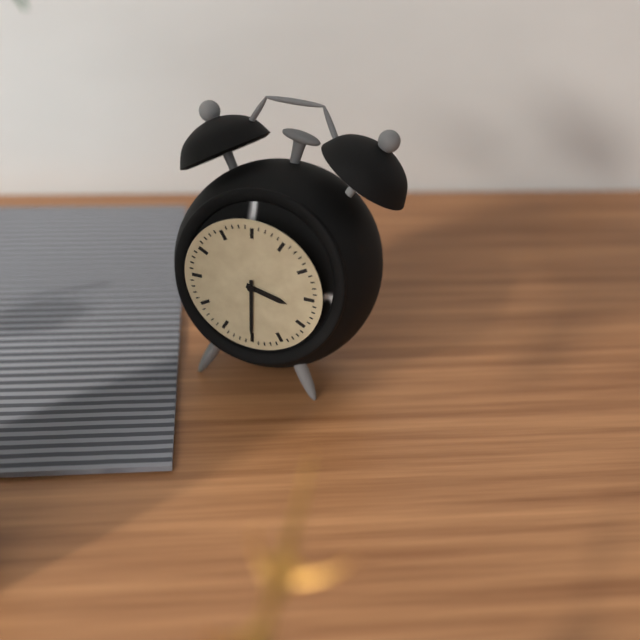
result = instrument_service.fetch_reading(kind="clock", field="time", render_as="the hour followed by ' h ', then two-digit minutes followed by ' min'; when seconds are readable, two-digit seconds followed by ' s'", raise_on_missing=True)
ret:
3 h 30 min
